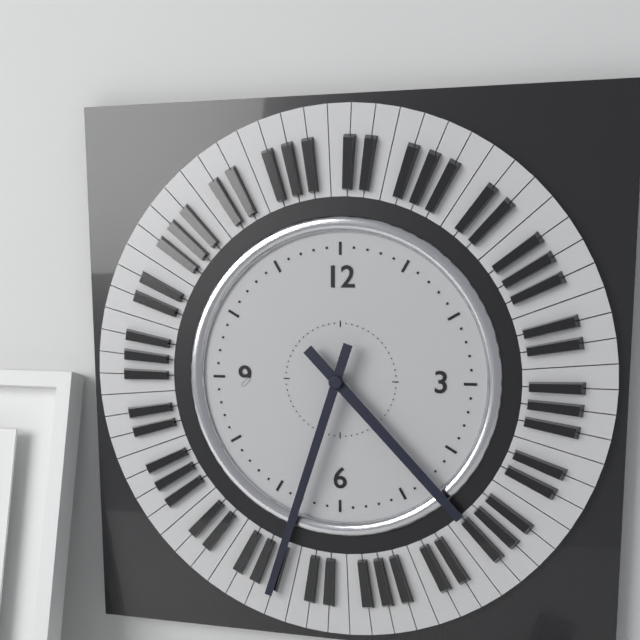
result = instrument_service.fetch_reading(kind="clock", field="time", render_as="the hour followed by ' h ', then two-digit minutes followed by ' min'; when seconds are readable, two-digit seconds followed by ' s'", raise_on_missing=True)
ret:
4 h 33 min
